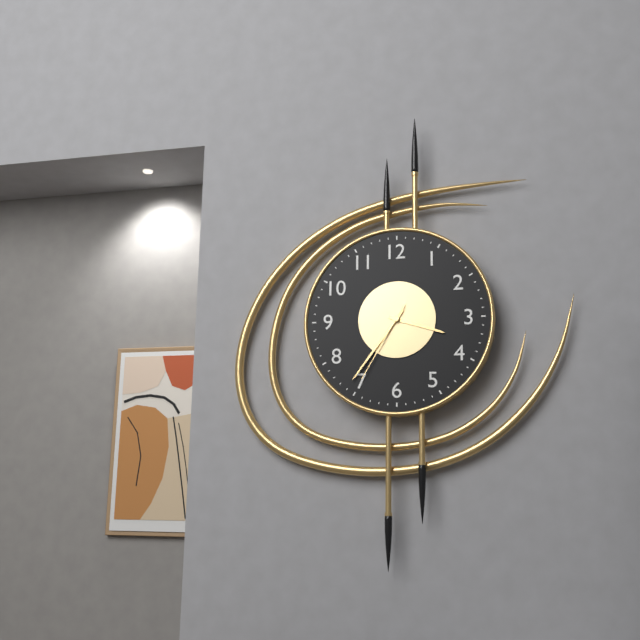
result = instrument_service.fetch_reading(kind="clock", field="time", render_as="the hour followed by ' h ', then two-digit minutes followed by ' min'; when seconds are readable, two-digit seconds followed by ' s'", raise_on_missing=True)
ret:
3 h 36 min 35 s
